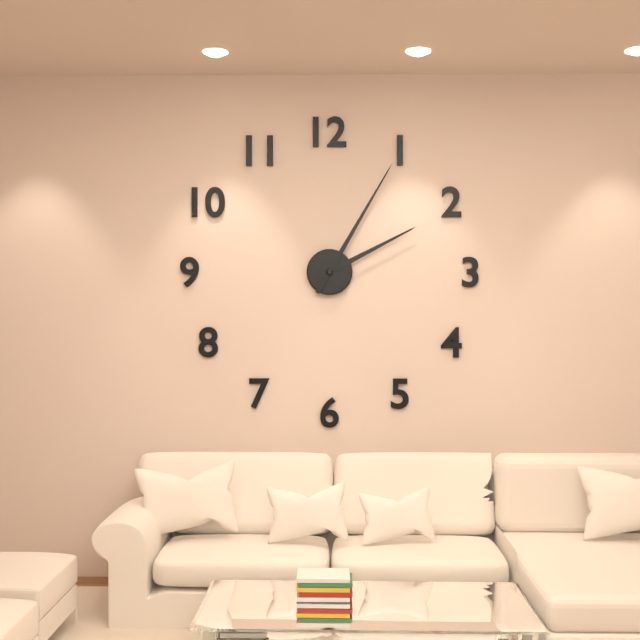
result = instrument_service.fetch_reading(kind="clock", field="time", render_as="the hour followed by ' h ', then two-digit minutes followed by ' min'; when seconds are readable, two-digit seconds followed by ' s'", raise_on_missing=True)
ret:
2 h 05 min
